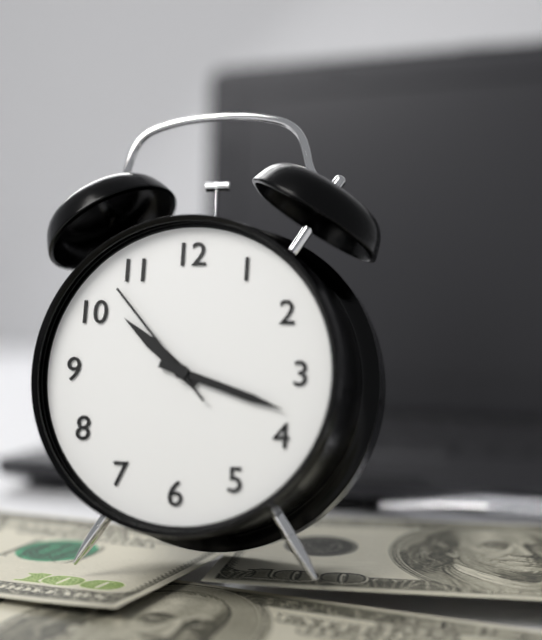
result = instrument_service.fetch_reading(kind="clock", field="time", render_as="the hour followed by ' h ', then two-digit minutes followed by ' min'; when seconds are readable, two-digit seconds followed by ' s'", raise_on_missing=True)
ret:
10 h 18 min 53 s
